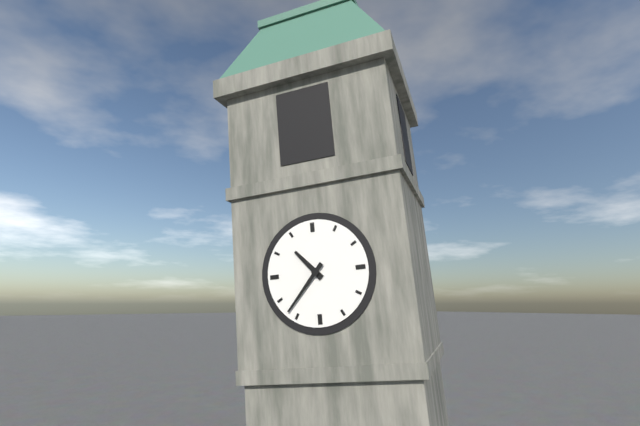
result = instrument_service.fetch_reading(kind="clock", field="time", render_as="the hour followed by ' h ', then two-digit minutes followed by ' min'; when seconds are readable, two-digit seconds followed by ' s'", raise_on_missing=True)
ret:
10 h 37 min
